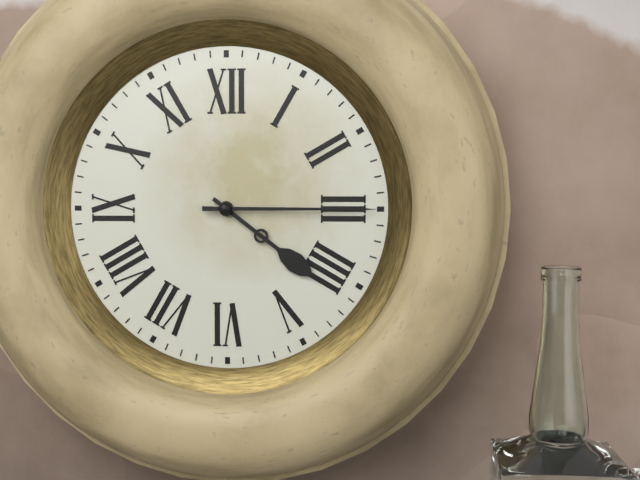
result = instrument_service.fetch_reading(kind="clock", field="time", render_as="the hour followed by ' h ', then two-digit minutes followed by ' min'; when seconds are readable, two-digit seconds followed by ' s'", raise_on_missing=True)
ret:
4 h 15 min
